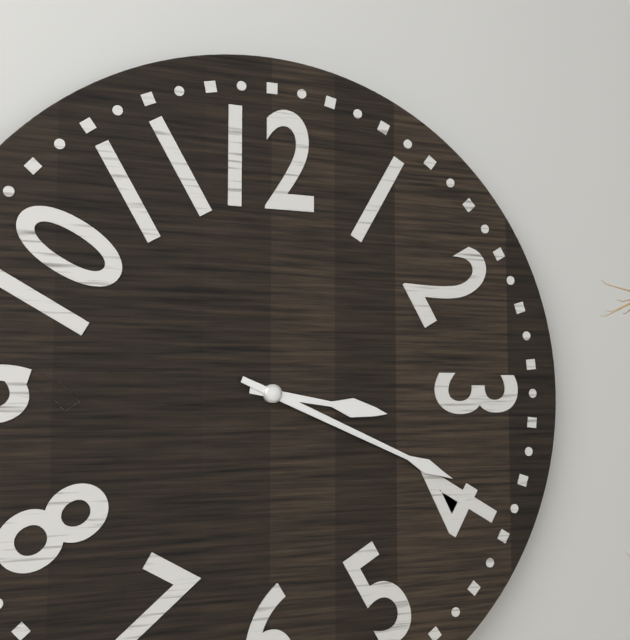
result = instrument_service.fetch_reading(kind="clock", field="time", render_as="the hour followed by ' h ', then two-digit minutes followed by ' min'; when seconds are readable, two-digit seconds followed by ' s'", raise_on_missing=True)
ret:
3 h 19 min
